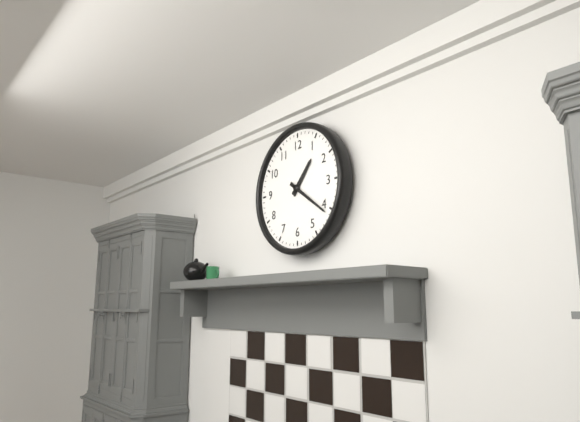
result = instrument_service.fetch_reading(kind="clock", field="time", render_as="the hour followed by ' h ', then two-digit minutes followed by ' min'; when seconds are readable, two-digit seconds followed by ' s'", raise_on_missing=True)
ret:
1 h 21 min
